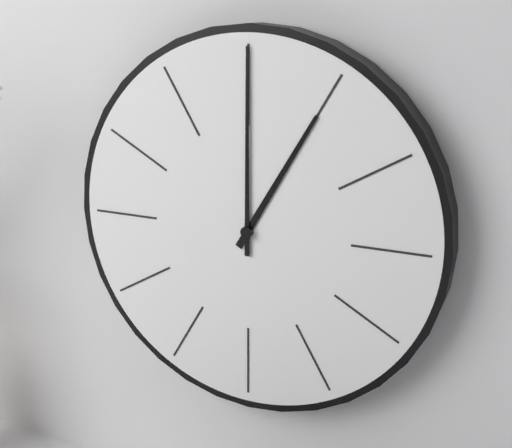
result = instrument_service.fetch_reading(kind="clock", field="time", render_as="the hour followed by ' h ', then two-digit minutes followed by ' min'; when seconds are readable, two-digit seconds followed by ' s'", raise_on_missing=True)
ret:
1 h 00 min
